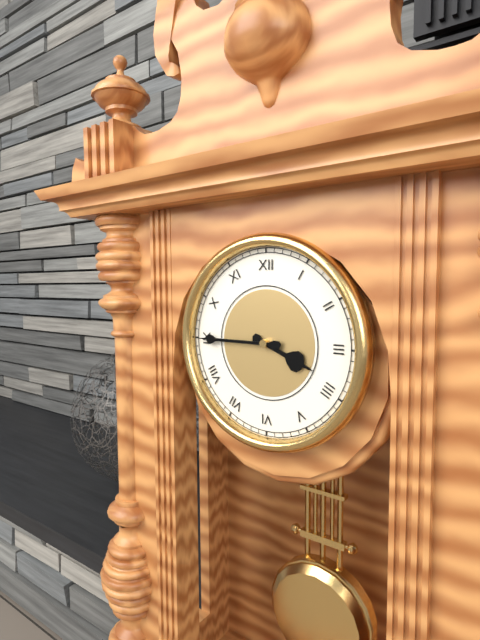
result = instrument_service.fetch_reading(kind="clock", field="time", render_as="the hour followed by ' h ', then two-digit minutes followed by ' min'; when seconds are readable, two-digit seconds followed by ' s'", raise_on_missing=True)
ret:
3 h 45 min
